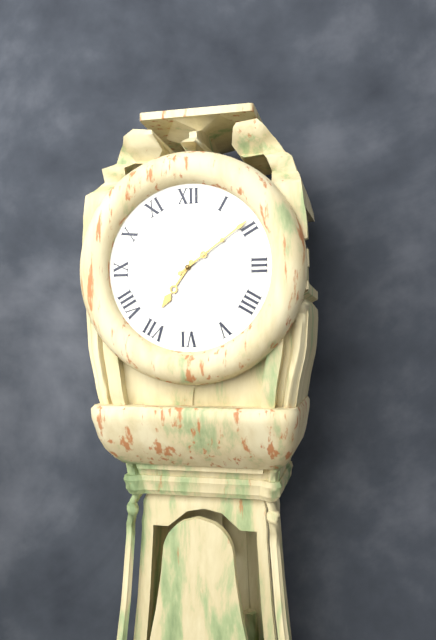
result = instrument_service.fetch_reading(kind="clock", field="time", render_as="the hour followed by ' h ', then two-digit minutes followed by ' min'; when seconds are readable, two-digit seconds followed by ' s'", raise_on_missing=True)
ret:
7 h 09 min
